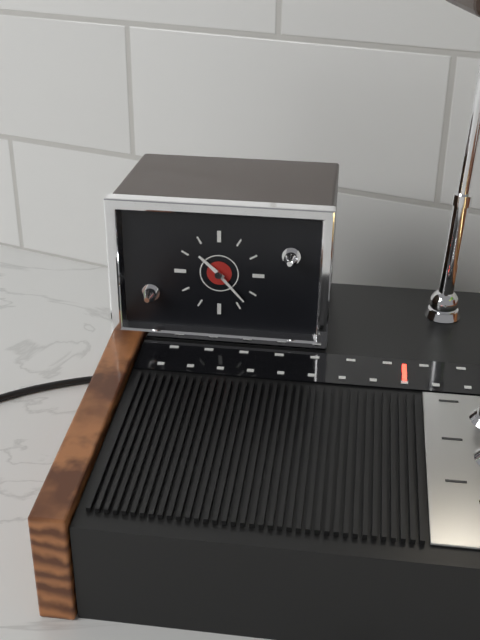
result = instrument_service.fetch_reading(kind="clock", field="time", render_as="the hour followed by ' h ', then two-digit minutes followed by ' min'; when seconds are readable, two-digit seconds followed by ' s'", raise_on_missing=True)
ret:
10 h 23 min
